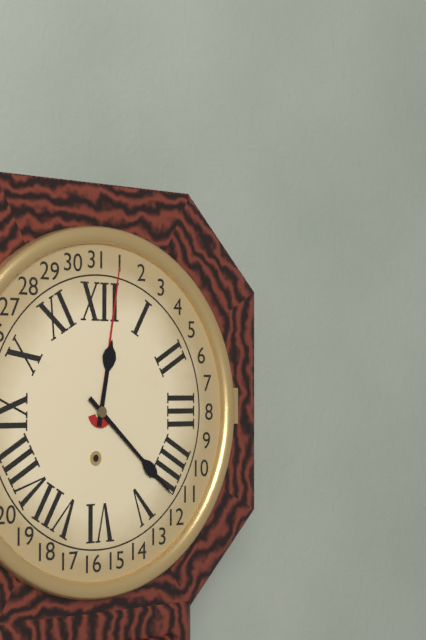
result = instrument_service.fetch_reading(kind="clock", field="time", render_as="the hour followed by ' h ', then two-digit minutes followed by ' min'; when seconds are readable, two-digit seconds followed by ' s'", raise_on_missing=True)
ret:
12 h 22 min
